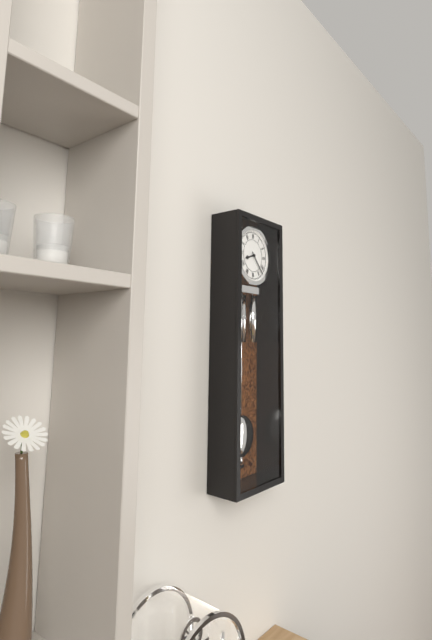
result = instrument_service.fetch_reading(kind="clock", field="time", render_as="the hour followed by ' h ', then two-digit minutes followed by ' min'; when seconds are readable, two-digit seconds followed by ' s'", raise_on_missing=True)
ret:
8 h 23 min
